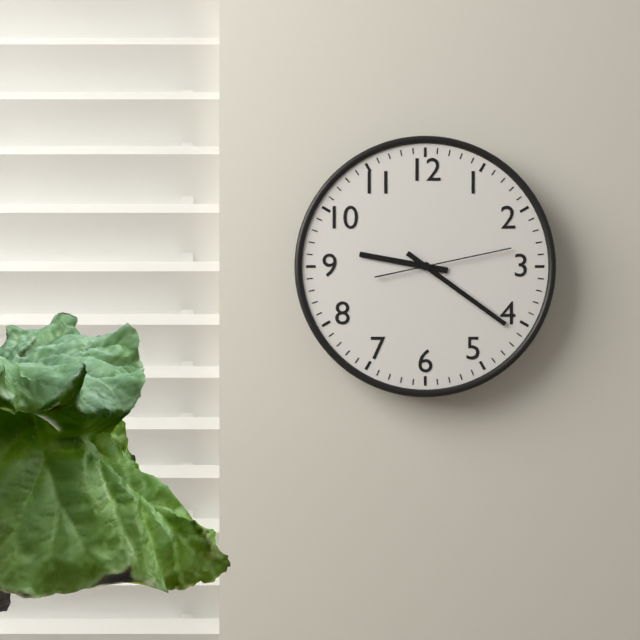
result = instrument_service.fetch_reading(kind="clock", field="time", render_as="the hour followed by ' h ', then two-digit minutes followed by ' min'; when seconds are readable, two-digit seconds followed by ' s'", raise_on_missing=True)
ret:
9 h 21 min 13 s
